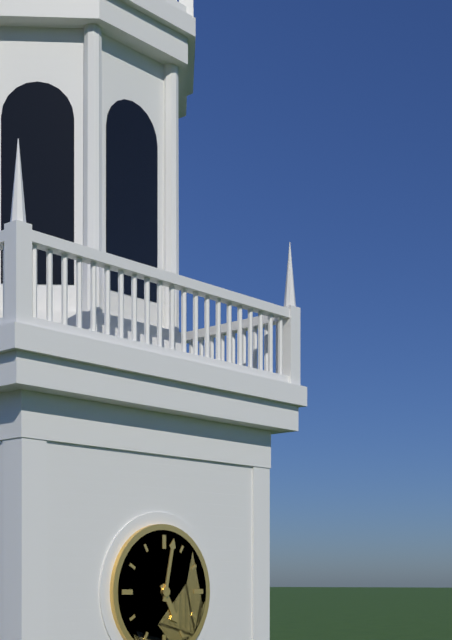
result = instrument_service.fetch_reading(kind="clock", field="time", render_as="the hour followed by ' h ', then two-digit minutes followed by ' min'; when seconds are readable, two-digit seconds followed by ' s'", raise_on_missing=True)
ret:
5 h 02 min
